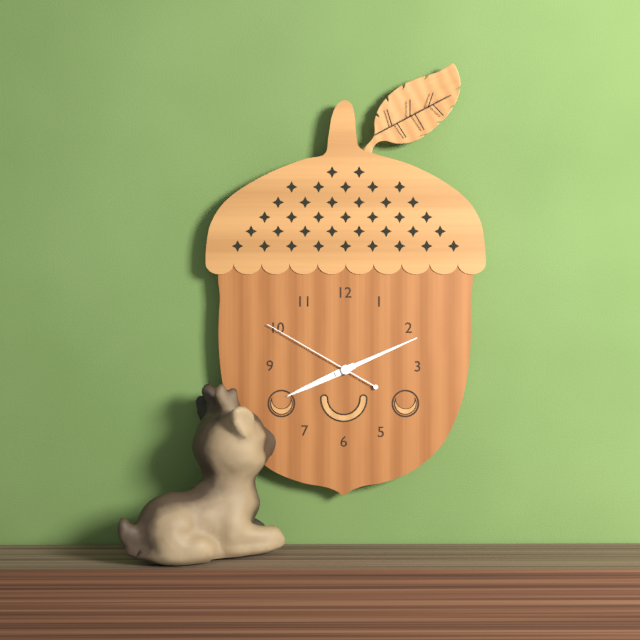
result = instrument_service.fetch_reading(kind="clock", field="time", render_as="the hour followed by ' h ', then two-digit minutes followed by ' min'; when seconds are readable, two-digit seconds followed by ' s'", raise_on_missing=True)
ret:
8 h 11 min 50 s
